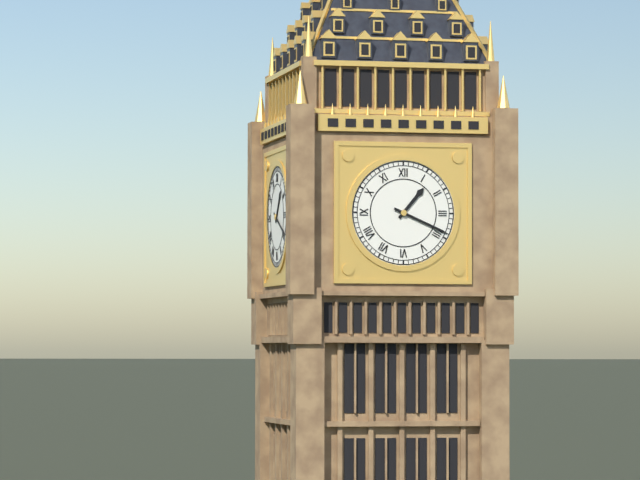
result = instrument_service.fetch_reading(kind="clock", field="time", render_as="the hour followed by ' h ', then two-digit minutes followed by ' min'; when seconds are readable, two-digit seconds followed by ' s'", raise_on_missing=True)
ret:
1 h 19 min
